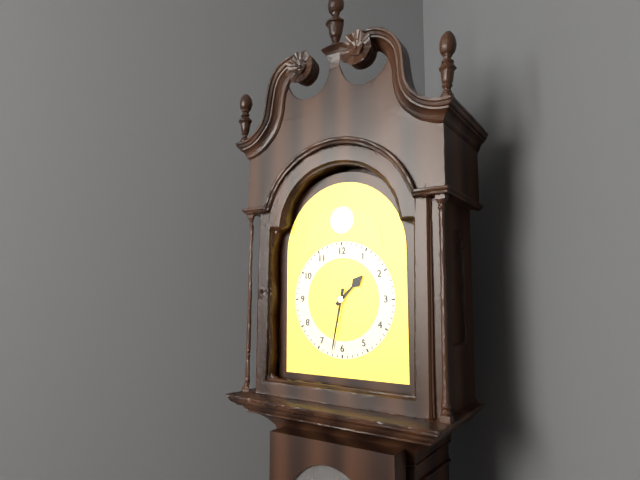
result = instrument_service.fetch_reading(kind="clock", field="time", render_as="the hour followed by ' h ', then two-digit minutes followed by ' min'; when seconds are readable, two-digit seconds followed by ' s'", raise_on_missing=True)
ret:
1 h 32 min
